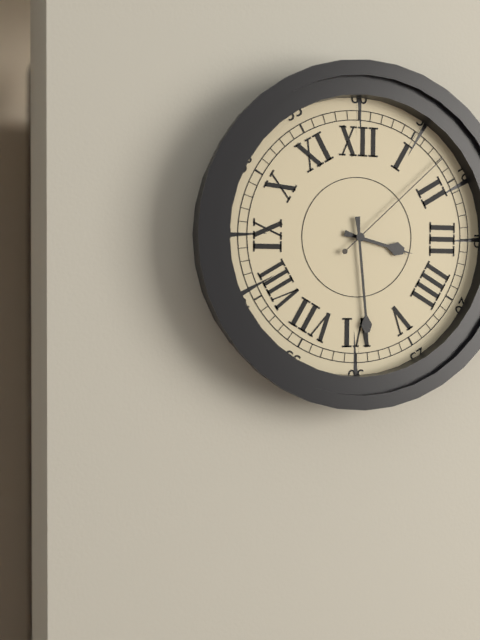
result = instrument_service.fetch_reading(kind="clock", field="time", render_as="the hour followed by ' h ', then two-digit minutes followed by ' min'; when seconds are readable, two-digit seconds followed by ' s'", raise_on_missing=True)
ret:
3 h 29 min 08 s
